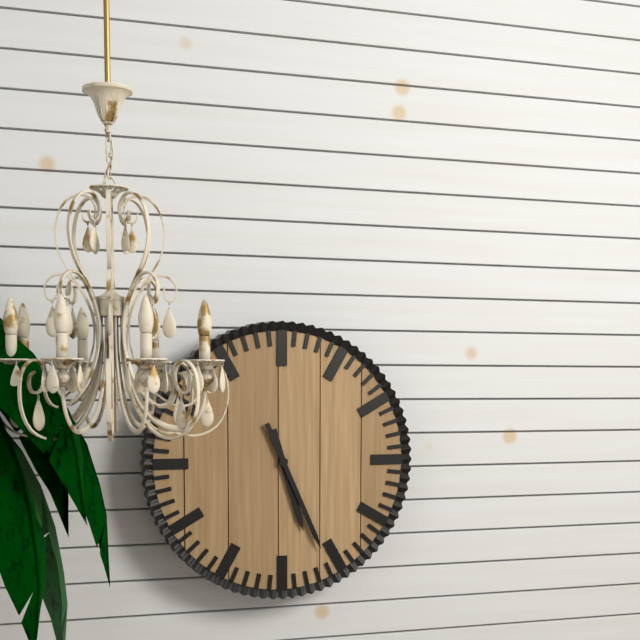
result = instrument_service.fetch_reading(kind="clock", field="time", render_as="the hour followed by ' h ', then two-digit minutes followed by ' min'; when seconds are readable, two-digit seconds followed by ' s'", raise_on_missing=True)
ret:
5 h 26 min
